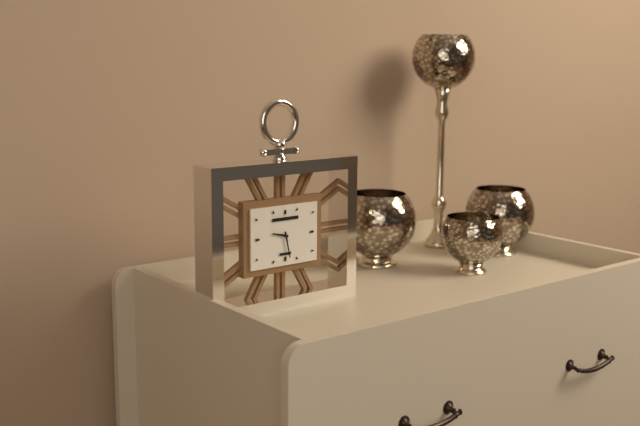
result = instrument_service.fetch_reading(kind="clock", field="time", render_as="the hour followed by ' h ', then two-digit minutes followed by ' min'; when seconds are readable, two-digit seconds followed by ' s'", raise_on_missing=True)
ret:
9 h 28 min
